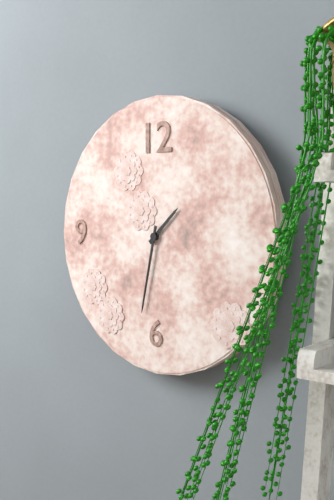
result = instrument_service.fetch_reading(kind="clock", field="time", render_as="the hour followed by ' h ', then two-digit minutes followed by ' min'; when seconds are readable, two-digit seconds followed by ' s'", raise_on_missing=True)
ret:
1 h 32 min
